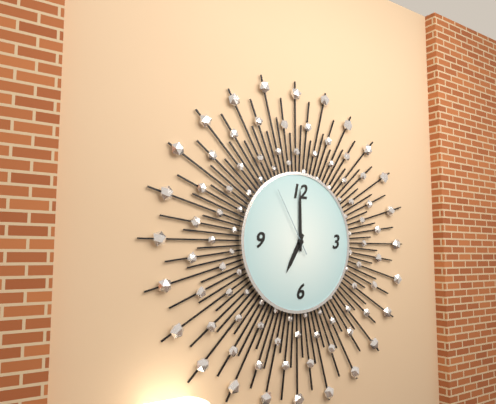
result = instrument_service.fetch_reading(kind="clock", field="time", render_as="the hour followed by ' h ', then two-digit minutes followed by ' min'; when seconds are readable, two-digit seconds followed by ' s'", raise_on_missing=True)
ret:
7 h 00 min 55 s
